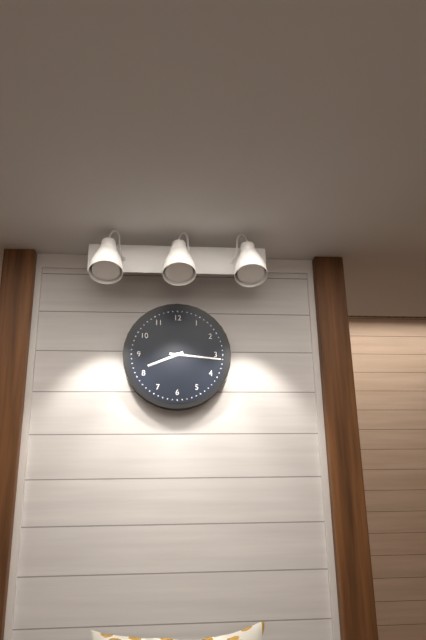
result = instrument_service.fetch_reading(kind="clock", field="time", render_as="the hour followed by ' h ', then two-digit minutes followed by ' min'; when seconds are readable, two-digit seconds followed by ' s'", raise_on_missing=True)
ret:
8 h 16 min
